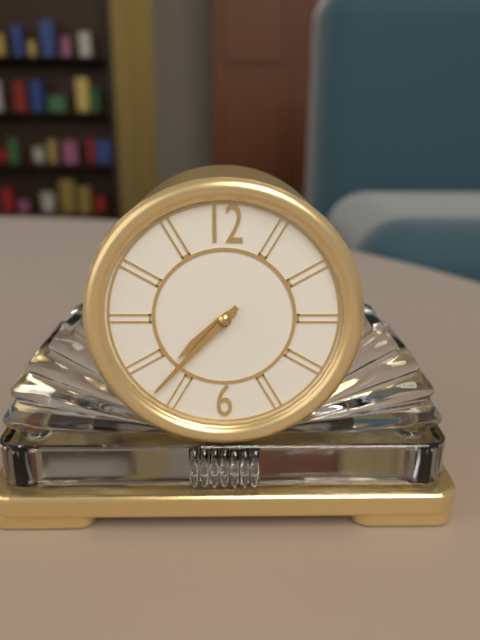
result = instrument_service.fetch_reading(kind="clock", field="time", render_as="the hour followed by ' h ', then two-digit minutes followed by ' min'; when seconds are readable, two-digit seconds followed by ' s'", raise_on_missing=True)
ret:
7 h 37 min
